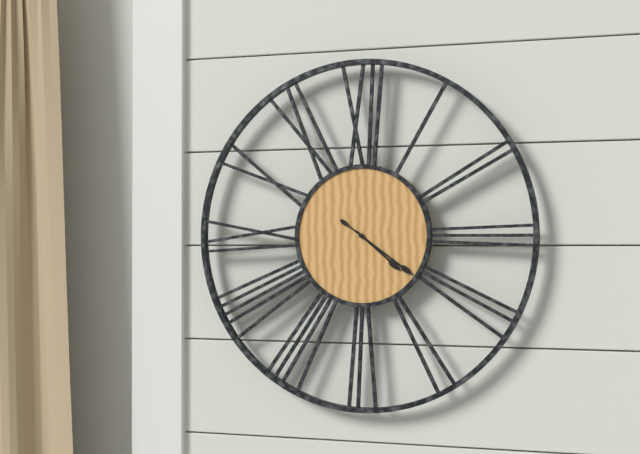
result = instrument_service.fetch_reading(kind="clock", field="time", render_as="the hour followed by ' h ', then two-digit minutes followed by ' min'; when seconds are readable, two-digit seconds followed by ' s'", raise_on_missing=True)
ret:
4 h 21 min
